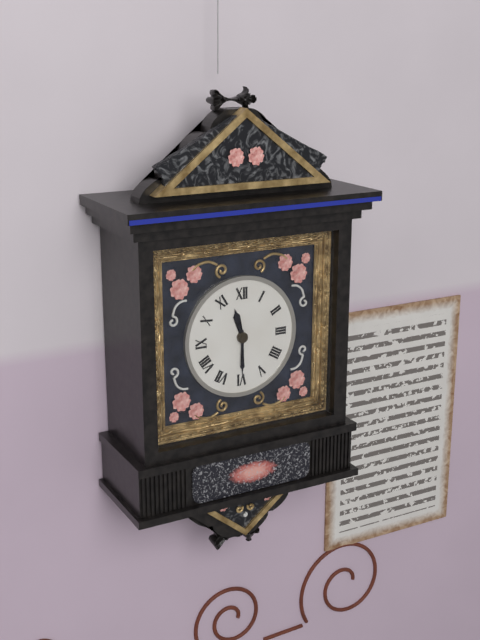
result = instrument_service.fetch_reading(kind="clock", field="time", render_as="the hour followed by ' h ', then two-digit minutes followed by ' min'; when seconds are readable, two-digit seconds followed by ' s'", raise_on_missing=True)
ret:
11 h 30 min
